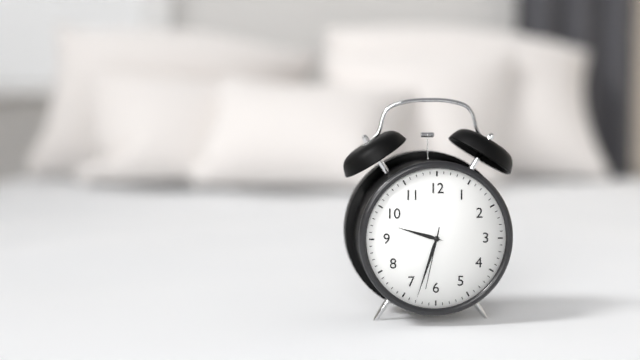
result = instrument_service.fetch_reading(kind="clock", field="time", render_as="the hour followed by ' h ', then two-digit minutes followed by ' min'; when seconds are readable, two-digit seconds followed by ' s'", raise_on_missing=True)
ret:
9 h 33 min 32 s
